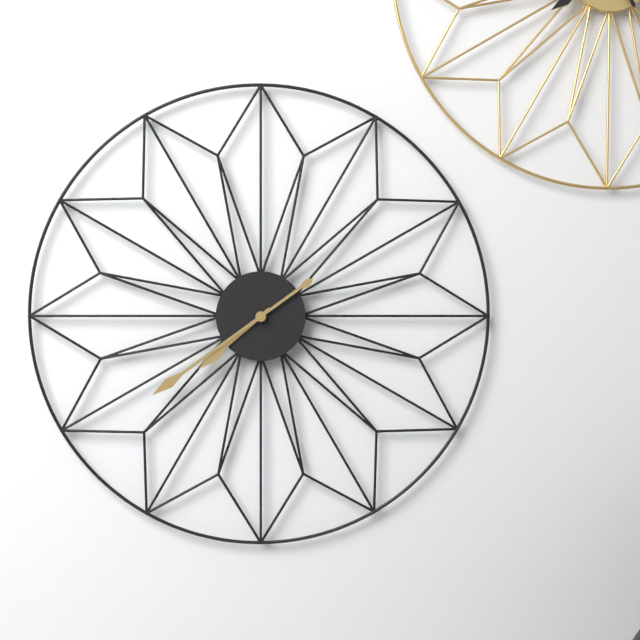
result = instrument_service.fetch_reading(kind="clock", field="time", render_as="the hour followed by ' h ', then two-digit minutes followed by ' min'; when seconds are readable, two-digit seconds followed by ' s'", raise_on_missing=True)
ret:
7 h 39 min
